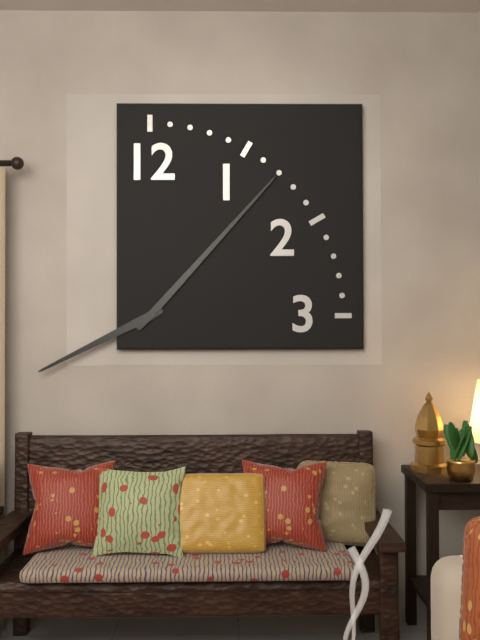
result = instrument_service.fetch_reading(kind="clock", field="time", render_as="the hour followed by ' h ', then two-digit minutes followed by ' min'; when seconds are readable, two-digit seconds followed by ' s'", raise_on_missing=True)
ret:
8 h 07 min
